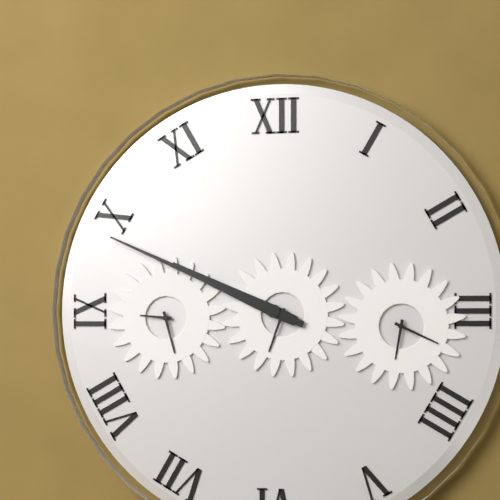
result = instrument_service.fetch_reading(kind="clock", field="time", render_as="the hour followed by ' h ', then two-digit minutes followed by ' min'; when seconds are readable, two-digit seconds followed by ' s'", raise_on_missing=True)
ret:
9 h 49 min
